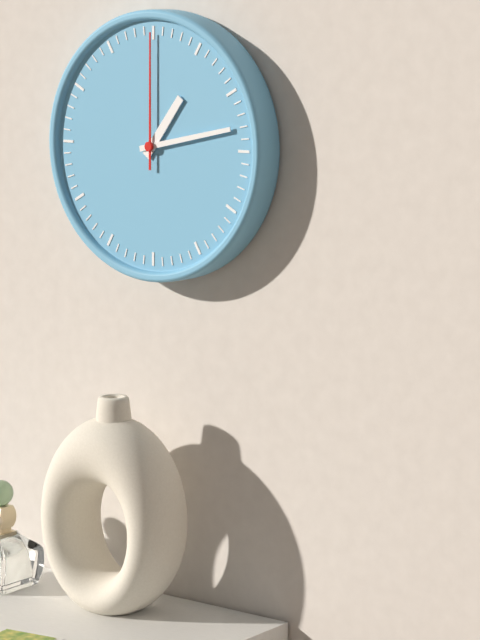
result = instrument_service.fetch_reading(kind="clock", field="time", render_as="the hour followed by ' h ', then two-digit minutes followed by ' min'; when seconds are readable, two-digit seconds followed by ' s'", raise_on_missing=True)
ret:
1 h 13 min 00 s
